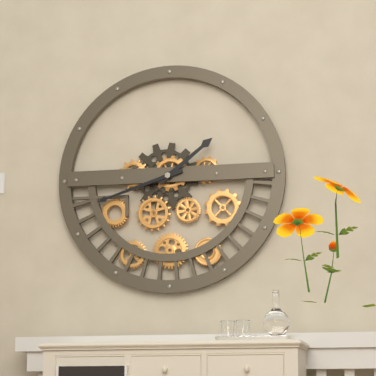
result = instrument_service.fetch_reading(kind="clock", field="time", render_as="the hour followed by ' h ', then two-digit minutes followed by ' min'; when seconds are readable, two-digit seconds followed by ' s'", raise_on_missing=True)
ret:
1 h 42 min
